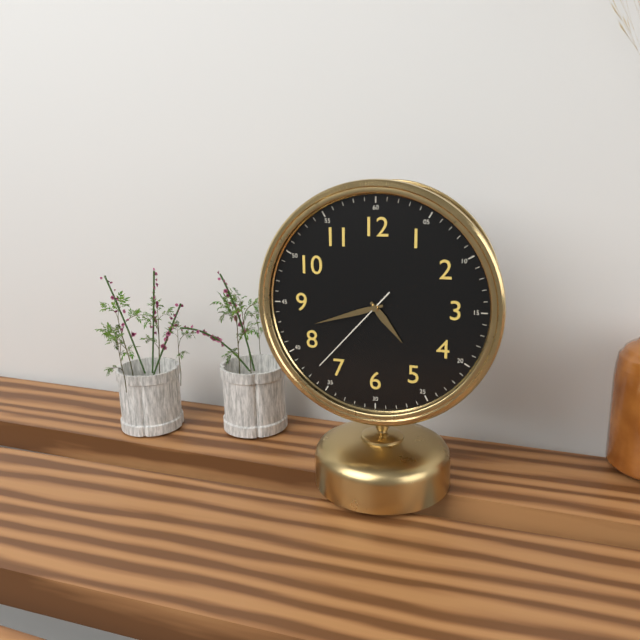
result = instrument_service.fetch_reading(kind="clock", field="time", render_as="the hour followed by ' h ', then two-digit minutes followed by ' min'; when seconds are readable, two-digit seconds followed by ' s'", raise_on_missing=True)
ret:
4 h 42 min 37 s
